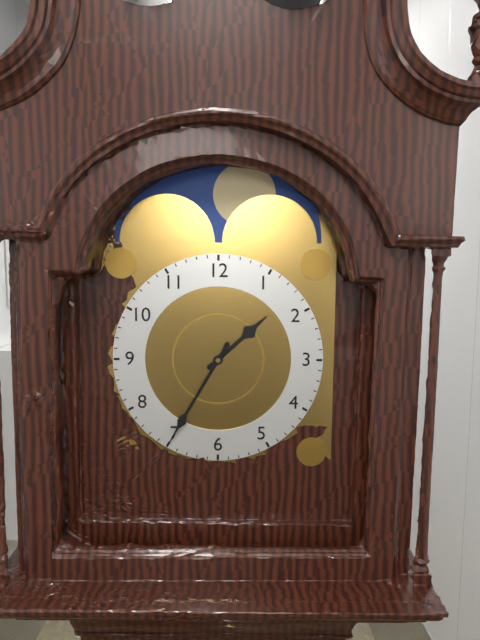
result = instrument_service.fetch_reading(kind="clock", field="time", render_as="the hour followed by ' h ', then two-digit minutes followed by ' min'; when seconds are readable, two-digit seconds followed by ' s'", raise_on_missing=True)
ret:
1 h 35 min
